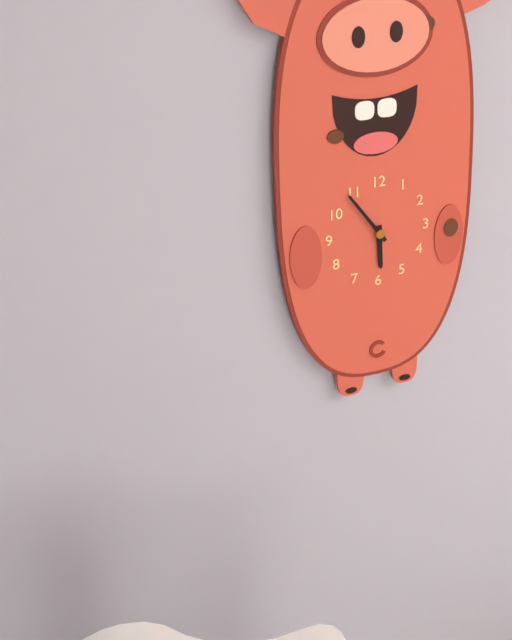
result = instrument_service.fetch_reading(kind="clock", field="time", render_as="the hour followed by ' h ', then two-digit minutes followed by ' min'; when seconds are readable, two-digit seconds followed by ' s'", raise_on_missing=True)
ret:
5 h 54 min
